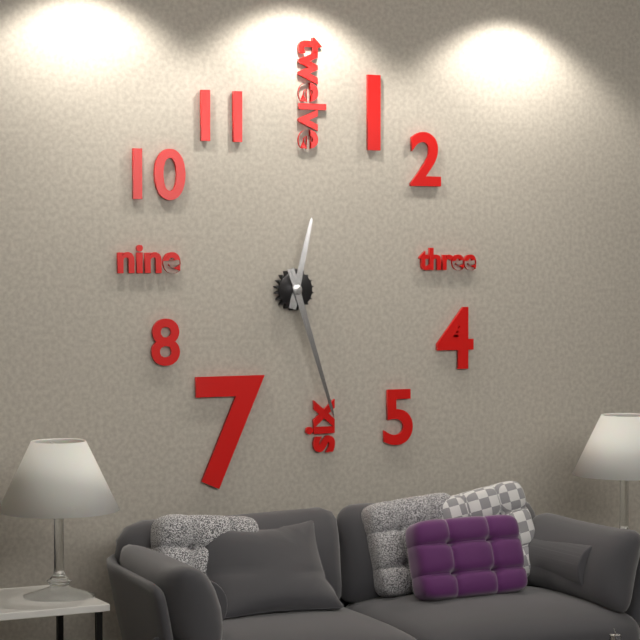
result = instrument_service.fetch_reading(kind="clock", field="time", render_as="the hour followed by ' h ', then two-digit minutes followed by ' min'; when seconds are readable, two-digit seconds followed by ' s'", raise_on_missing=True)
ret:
12 h 27 min
